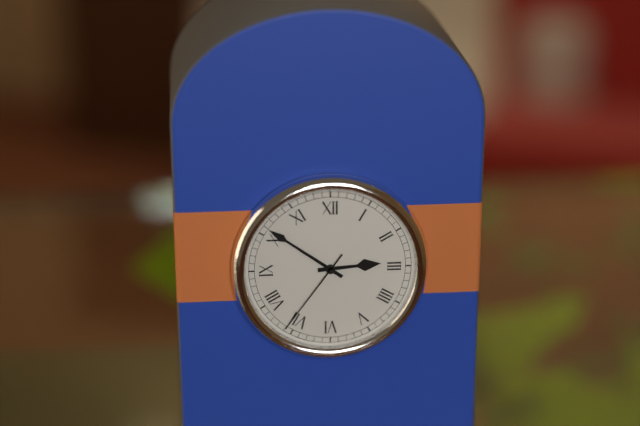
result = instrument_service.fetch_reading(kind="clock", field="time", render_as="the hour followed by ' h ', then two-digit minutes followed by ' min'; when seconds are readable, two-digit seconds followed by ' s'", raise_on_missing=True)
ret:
2 h 51 min 36 s
